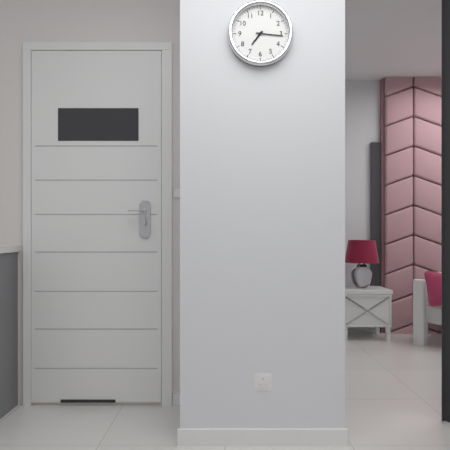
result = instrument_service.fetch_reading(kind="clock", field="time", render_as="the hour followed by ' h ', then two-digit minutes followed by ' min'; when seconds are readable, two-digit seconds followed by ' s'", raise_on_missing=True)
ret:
7 h 16 min
